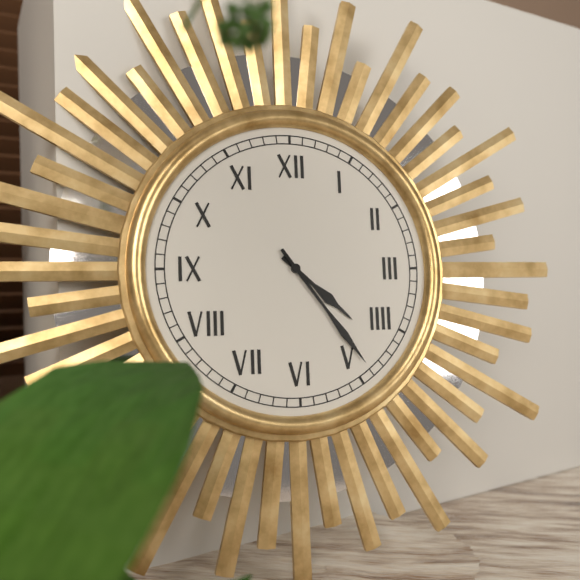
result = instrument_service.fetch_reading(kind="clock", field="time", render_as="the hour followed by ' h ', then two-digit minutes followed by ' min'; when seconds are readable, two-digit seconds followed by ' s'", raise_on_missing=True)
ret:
4 h 24 min
